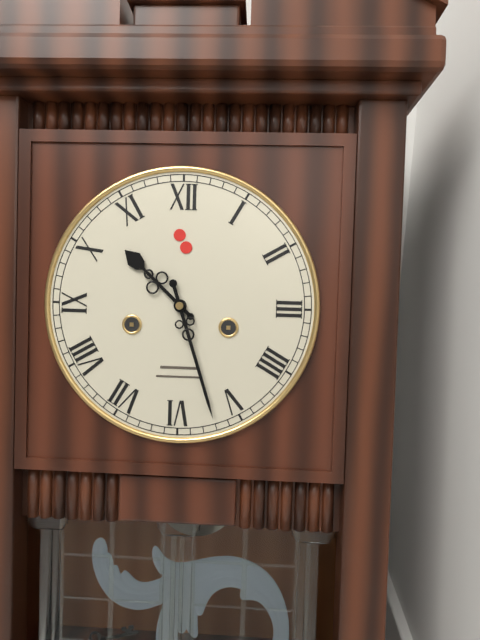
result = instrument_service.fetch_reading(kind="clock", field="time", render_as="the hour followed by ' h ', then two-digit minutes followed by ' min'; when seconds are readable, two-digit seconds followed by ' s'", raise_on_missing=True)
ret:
10 h 27 min
